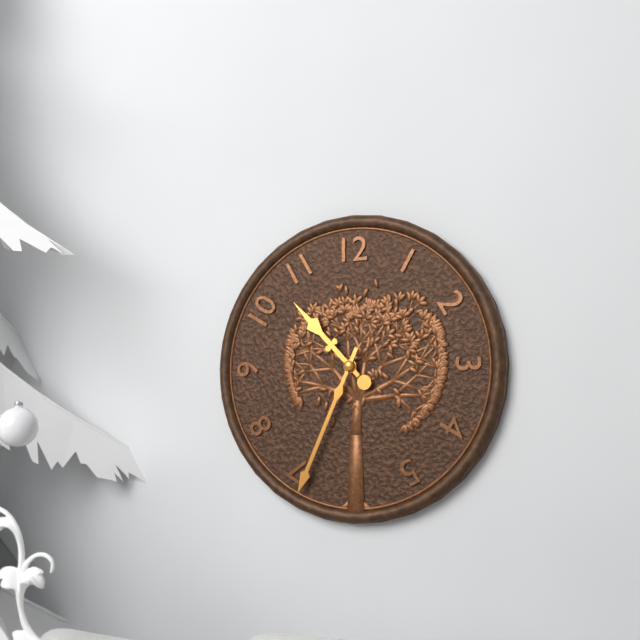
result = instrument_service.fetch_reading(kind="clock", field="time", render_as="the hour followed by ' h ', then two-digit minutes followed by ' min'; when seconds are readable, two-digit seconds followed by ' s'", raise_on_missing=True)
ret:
10 h 34 min
